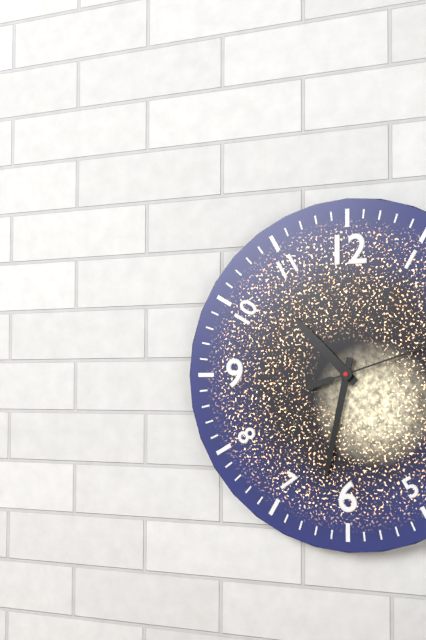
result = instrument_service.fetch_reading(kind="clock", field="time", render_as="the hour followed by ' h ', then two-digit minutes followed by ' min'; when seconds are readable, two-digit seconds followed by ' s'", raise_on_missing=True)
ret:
10 h 32 min
